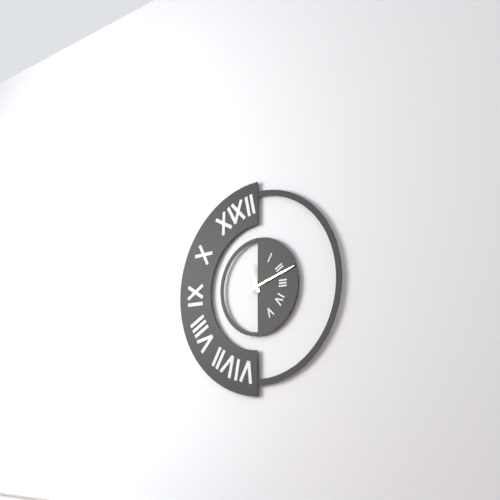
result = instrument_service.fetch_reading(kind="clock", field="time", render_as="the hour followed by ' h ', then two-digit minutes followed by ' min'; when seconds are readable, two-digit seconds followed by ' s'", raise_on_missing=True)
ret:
11 h 12 min
